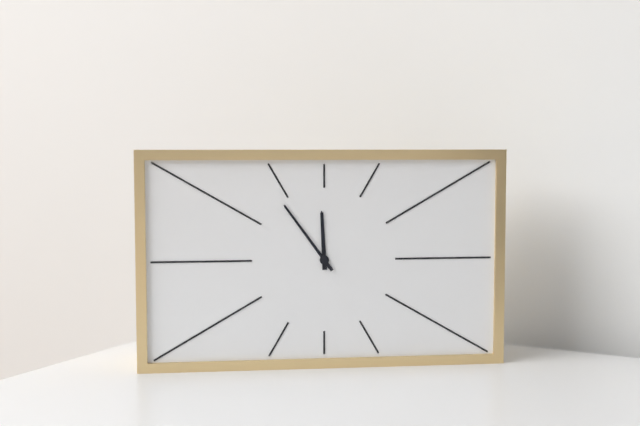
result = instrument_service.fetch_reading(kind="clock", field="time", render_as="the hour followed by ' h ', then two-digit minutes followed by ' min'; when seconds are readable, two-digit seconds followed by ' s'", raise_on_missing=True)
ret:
11 h 54 min
